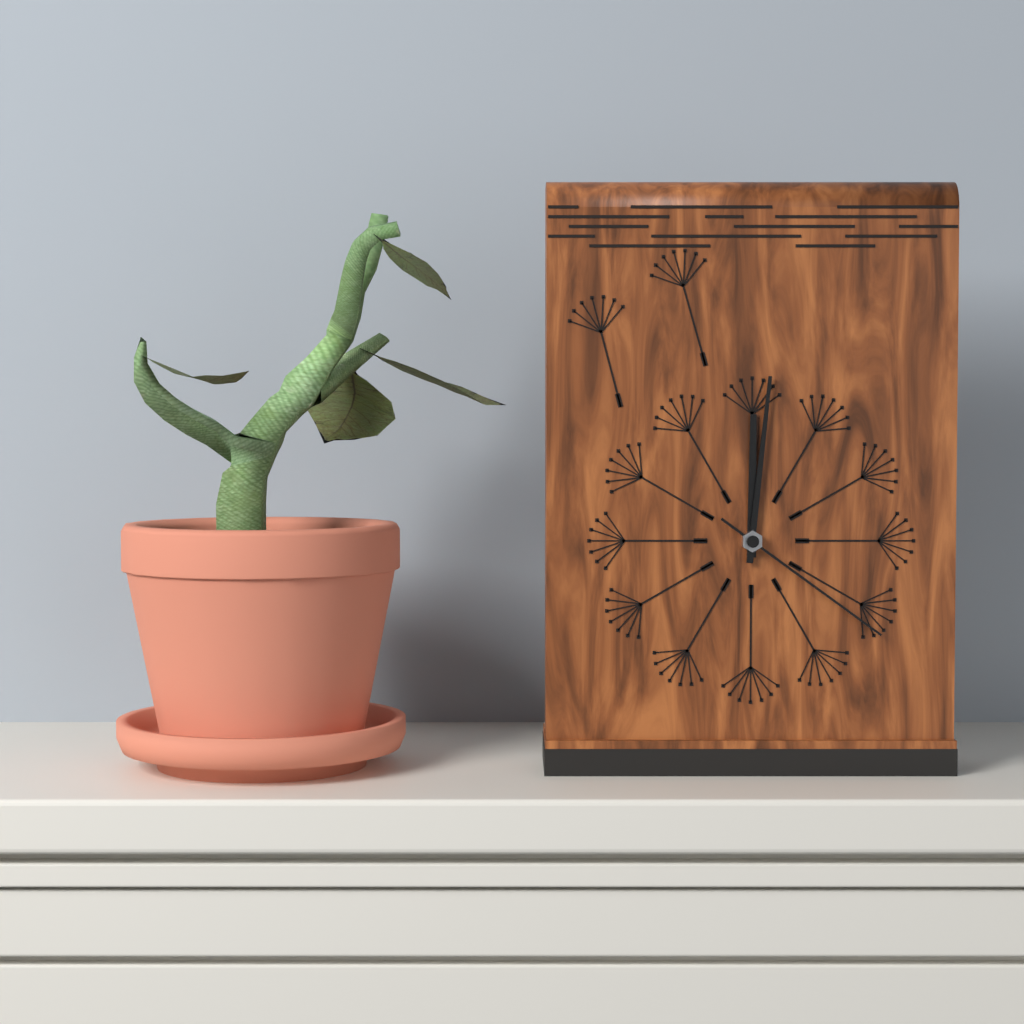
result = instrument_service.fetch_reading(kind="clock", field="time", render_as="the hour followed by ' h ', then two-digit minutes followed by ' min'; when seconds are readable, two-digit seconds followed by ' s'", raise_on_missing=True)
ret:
12 h 01 min 21 s
